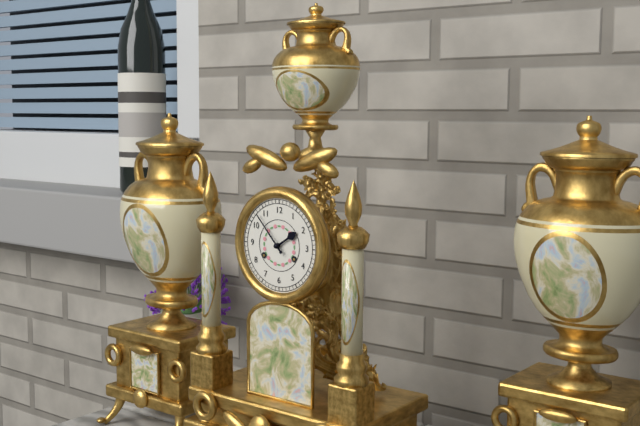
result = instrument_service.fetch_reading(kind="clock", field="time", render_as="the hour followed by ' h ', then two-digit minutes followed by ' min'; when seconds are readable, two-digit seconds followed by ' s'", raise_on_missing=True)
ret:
1 h 53 min
